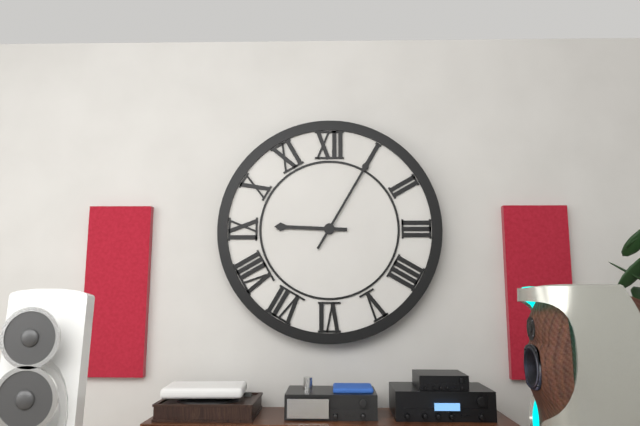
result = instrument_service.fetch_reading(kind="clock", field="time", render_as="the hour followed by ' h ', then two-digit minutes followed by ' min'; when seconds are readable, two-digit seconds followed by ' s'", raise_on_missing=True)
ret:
9 h 05 min
